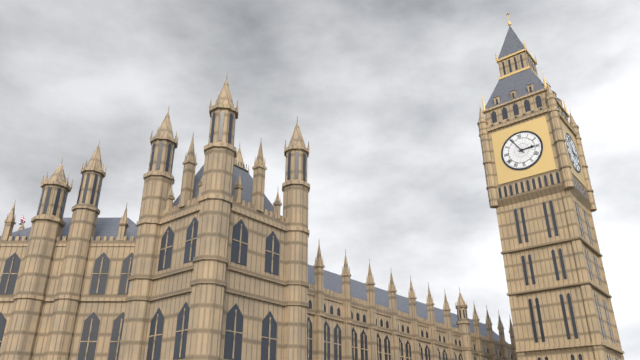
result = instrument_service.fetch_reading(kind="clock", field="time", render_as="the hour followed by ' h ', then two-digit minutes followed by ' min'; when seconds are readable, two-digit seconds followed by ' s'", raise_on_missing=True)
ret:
2 h 55 min
